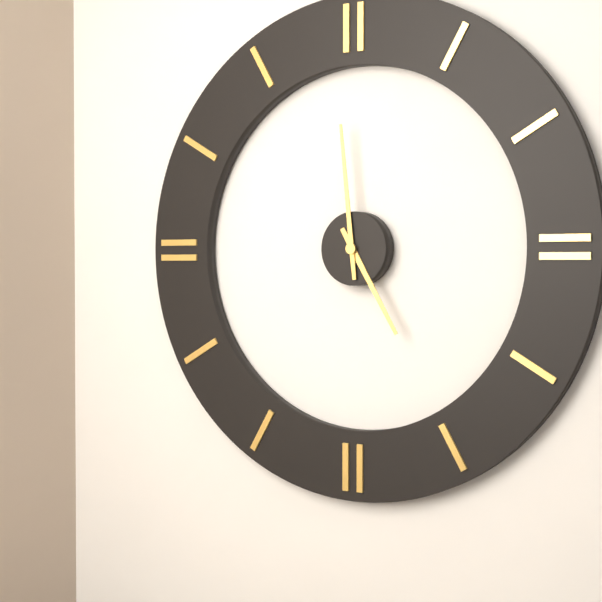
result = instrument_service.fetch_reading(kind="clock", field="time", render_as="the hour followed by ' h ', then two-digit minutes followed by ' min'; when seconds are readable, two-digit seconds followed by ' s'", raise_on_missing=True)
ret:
4 h 59 min
